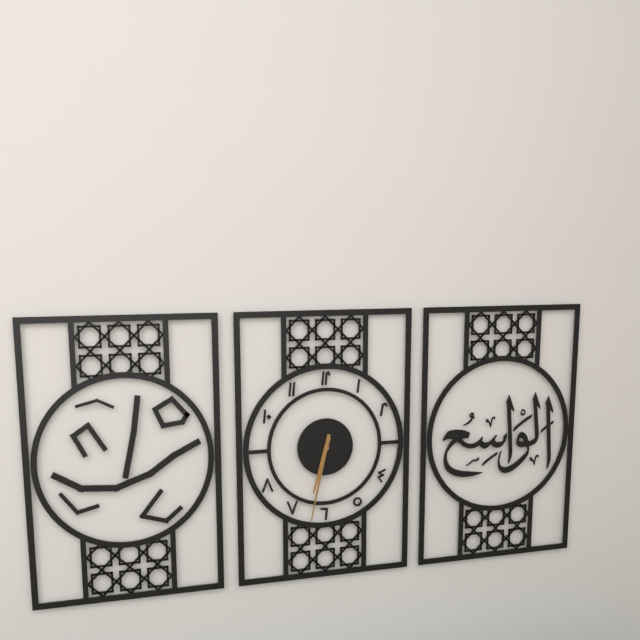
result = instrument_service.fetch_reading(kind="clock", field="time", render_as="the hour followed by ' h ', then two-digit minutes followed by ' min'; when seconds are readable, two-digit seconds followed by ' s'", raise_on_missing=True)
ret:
6 h 32 min
